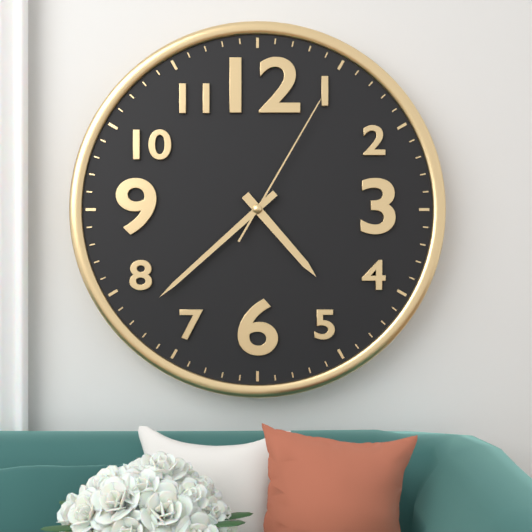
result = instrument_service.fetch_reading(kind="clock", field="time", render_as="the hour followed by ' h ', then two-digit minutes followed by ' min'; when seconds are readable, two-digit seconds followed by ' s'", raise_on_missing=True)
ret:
4 h 38 min 05 s
